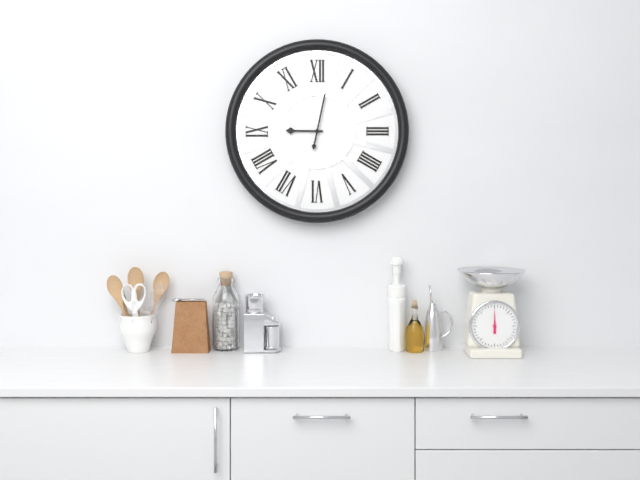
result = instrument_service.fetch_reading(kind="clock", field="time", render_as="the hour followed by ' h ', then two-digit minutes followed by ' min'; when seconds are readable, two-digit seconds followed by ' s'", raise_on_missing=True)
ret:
9 h 02 min
